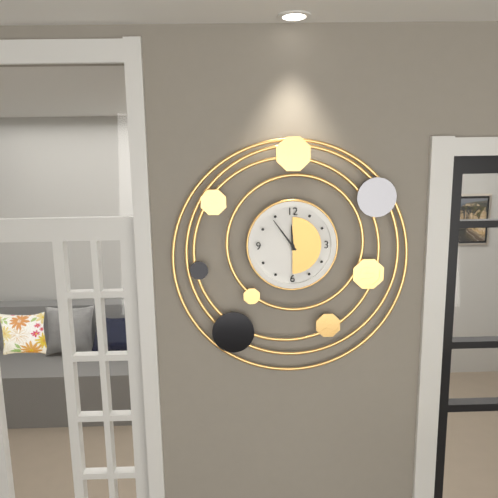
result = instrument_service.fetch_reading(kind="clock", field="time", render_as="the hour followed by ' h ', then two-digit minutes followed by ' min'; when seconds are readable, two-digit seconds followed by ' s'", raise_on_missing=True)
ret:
11 h 54 min
